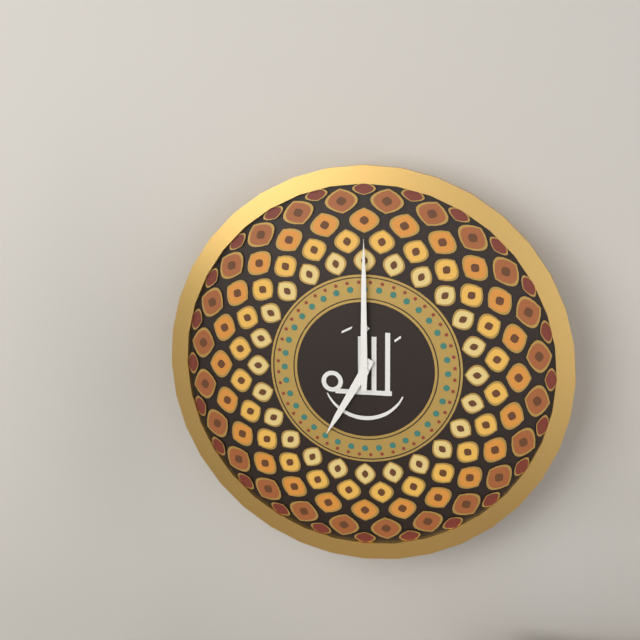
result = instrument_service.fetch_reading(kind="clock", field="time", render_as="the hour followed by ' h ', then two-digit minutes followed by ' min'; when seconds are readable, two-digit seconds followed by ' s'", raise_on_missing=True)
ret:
7 h 00 min
